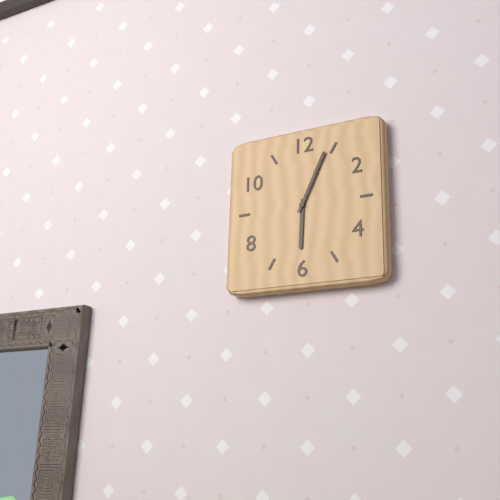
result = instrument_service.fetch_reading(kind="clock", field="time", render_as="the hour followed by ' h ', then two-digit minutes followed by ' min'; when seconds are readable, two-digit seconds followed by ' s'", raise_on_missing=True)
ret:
6 h 04 min
